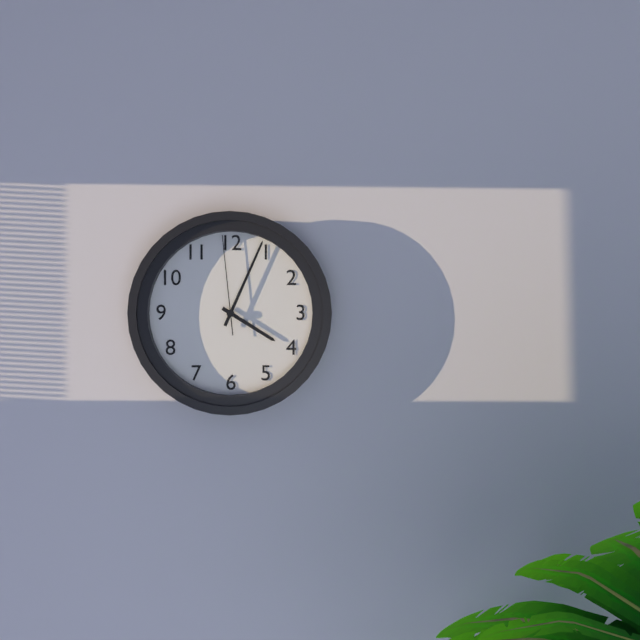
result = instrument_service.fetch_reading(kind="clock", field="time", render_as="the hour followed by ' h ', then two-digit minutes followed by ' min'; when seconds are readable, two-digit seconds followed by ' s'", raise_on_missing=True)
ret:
4 h 04 min 59 s
